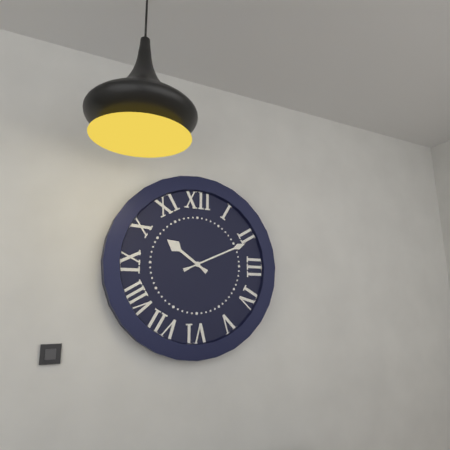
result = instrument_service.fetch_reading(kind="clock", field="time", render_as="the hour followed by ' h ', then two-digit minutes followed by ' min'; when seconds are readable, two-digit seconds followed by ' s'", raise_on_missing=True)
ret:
10 h 11 min
